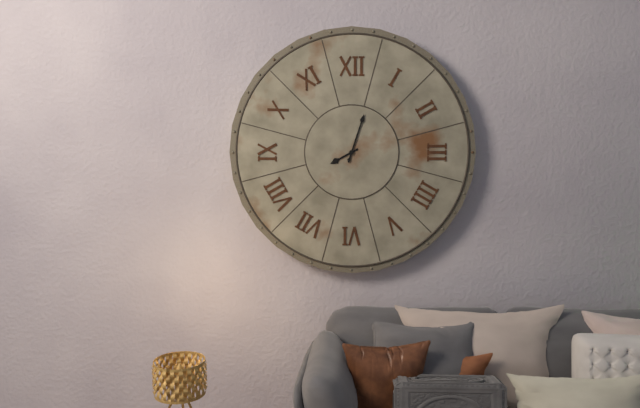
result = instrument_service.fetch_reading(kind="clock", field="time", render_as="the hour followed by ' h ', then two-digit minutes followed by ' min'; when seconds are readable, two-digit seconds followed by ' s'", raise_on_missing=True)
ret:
8 h 03 min
